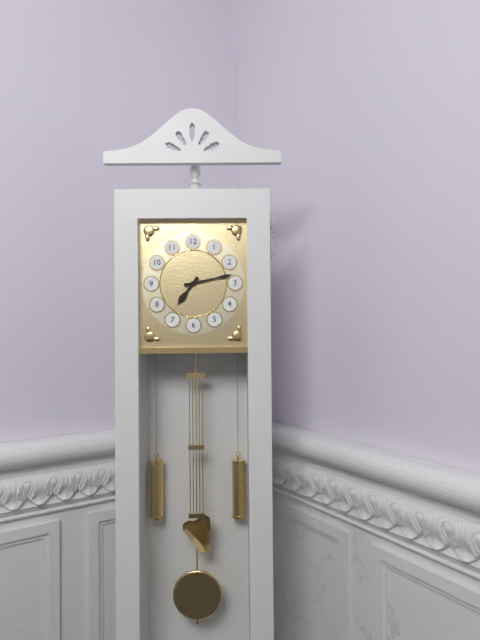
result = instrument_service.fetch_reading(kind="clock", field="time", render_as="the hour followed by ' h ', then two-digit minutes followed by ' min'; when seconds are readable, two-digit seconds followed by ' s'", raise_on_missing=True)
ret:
7 h 13 min
